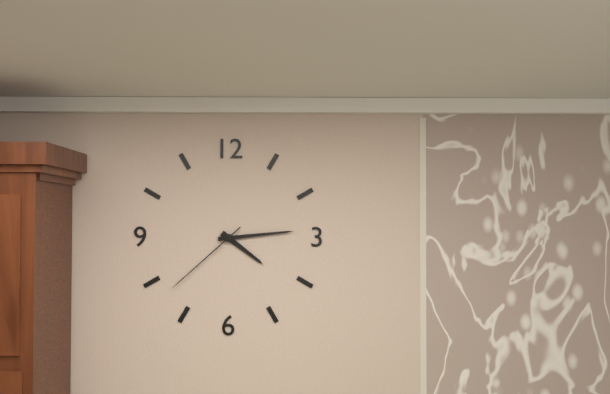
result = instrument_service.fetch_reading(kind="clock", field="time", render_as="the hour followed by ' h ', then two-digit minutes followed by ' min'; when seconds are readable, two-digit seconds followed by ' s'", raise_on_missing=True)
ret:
4 h 14 min 38 s
